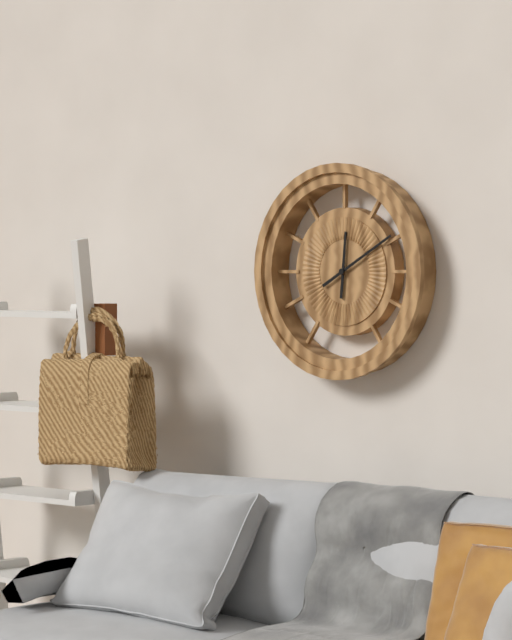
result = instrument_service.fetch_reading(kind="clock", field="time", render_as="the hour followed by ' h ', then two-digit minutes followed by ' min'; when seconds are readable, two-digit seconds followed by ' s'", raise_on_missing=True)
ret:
12 h 10 min
